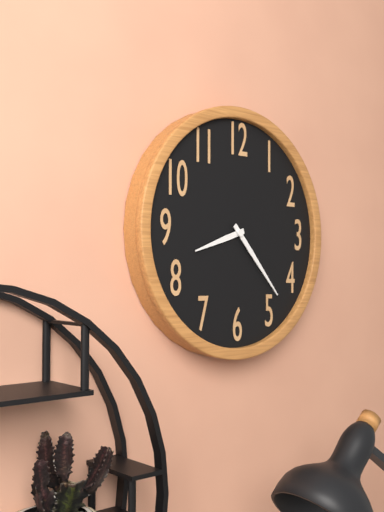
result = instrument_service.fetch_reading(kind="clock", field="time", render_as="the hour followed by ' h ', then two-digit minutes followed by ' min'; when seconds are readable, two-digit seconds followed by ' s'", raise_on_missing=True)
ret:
8 h 23 min
